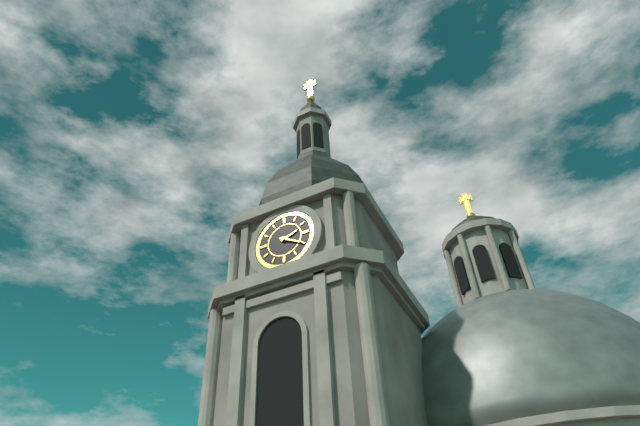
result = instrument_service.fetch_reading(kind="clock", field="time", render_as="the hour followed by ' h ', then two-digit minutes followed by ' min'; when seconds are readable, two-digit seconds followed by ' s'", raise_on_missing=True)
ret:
2 h 20 min
